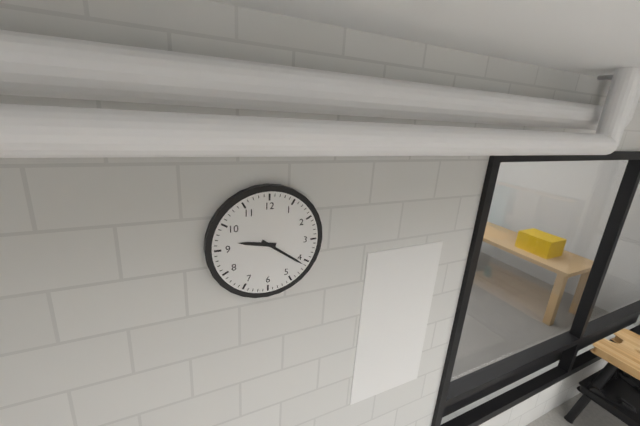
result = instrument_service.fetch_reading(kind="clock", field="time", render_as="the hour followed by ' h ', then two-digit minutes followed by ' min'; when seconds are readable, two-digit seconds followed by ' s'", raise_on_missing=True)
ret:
9 h 21 min
